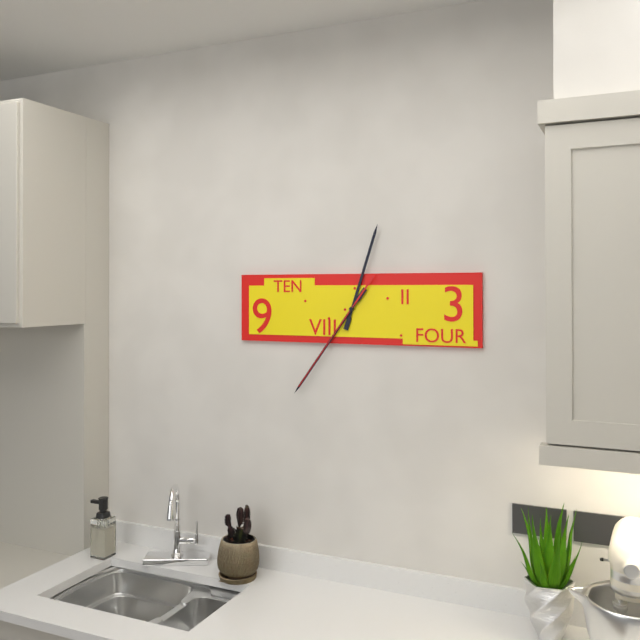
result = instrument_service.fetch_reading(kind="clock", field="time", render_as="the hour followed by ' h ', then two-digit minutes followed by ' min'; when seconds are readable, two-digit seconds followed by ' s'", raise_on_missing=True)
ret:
12 h 36 min 36 s
